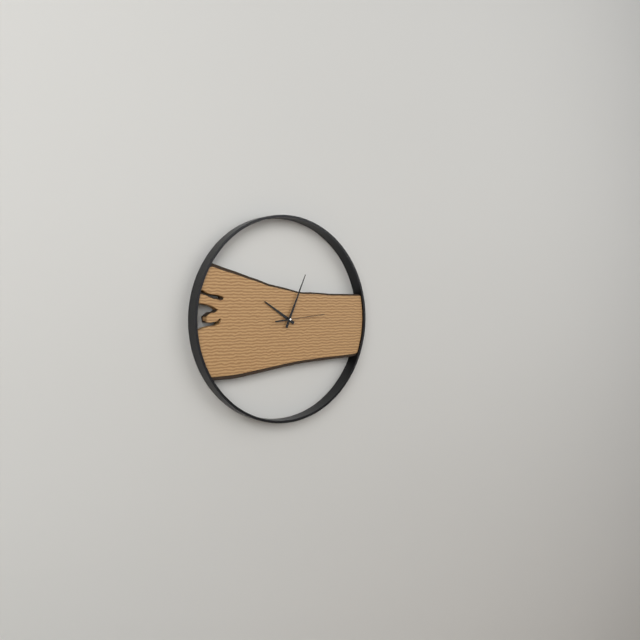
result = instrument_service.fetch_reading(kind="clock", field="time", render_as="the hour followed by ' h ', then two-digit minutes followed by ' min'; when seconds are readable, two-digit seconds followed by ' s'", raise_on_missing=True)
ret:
10 h 04 min
